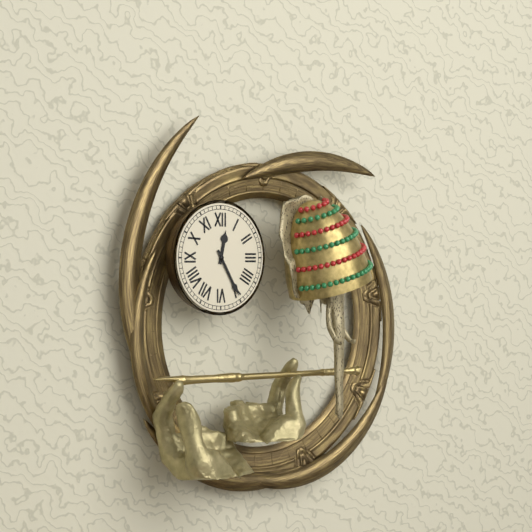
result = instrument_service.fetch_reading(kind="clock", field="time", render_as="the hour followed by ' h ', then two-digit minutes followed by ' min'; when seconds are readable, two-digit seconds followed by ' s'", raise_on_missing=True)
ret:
12 h 25 min
